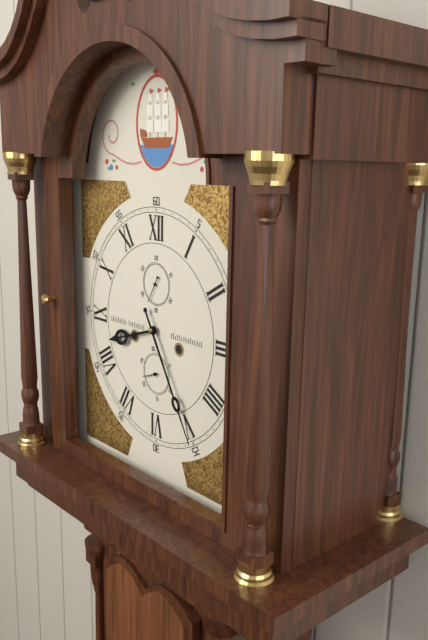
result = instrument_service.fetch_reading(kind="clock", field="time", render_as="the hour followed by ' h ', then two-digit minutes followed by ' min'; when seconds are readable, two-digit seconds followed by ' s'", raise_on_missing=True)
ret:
8 h 25 min
